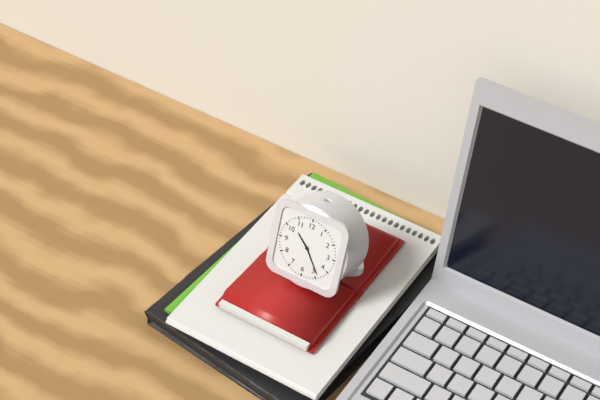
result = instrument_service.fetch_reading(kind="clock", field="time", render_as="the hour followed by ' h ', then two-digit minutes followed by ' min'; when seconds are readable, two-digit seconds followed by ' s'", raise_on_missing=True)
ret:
10 h 24 min
